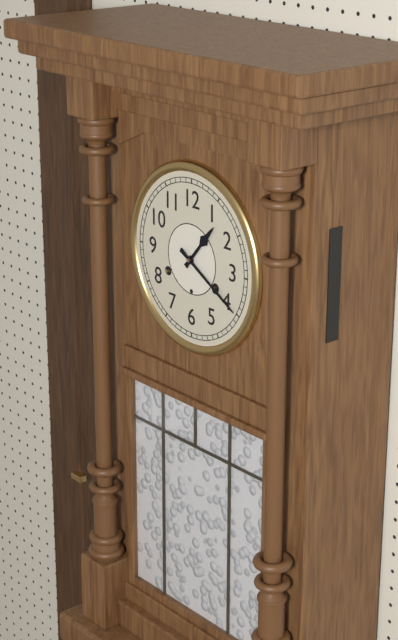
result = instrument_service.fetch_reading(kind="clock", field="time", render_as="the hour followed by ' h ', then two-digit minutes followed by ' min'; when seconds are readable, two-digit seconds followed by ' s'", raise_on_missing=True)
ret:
1 h 20 min
